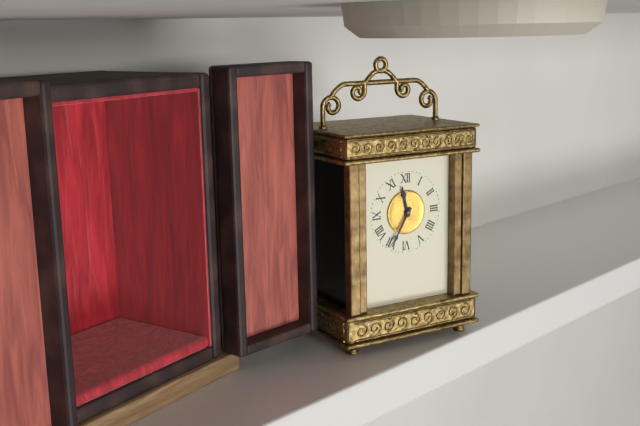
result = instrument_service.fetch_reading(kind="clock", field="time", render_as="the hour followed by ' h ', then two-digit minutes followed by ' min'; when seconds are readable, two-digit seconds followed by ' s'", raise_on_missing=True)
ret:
11 h 35 min
